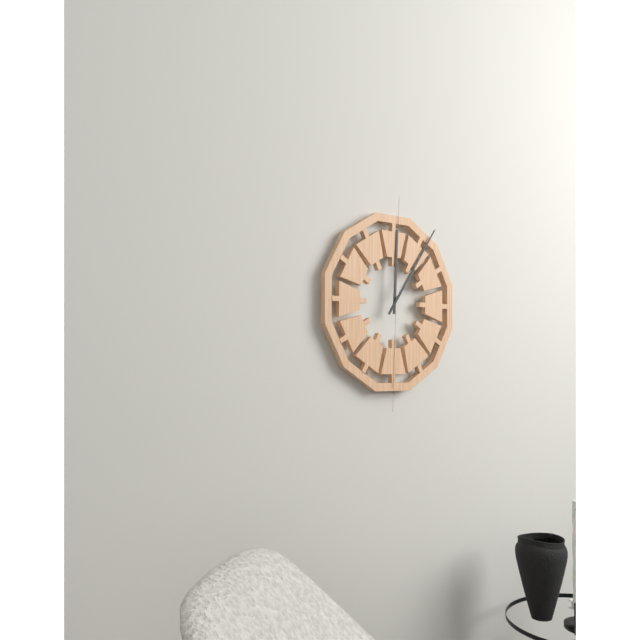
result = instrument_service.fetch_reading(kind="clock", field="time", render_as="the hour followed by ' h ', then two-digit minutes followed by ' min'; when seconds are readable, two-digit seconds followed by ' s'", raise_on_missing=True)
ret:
12 h 06 min
